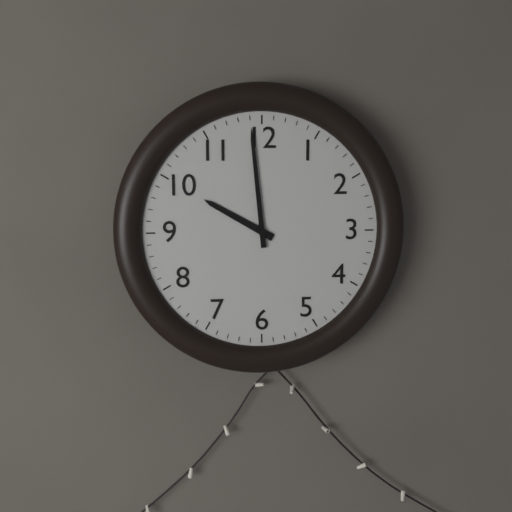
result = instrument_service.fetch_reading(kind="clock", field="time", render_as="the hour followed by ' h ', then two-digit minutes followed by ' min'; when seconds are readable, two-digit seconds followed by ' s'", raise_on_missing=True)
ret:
9 h 59 min
